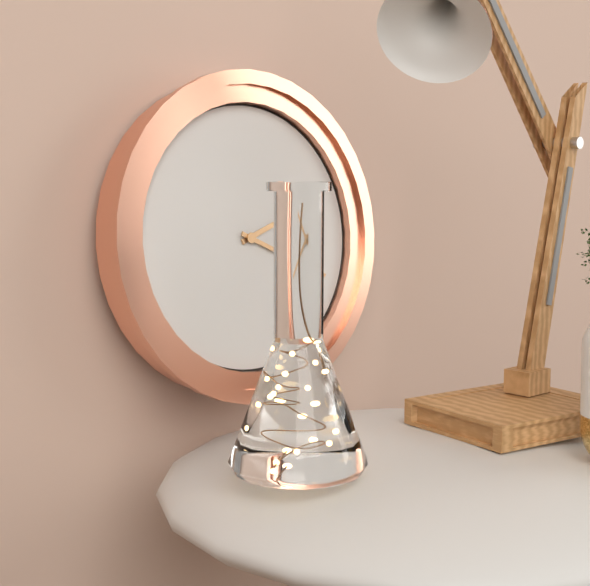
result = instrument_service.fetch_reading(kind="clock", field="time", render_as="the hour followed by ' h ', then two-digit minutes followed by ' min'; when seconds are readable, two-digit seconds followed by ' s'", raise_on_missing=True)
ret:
2 h 19 min
